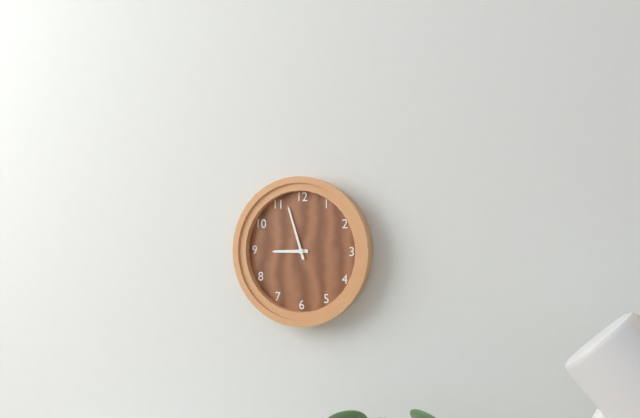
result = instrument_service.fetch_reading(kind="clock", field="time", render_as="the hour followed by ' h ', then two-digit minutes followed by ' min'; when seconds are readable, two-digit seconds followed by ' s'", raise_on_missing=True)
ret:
8 h 57 min
